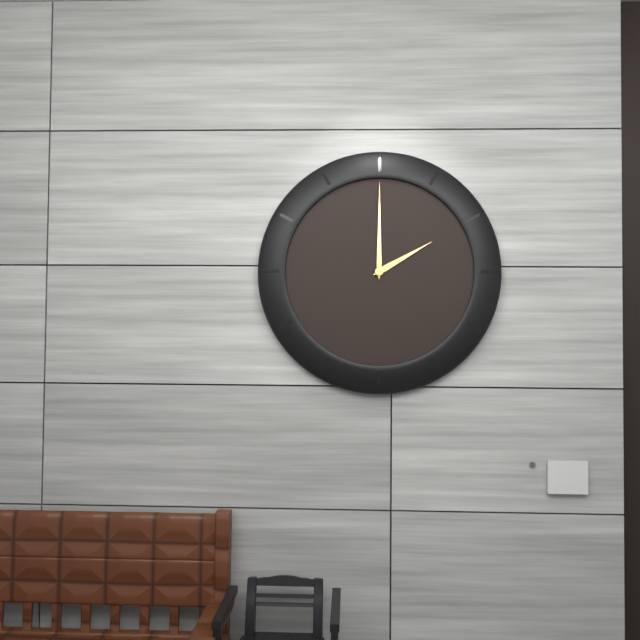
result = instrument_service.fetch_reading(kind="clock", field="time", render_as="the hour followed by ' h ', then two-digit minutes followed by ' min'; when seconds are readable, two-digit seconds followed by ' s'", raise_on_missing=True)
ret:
2 h 00 min
